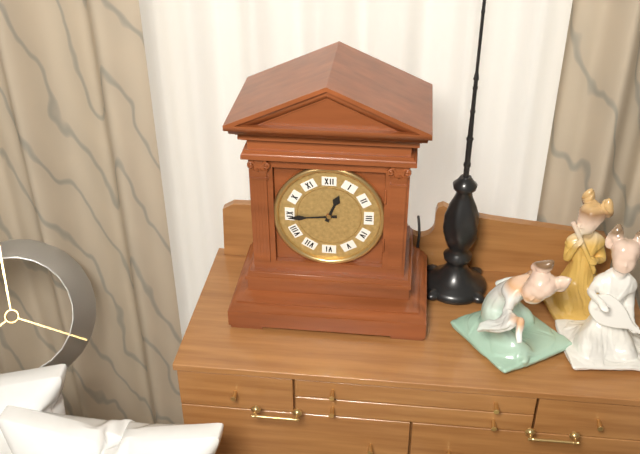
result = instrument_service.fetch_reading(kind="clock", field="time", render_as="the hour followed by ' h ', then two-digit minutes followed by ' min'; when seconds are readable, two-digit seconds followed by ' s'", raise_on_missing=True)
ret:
12 h 44 min
